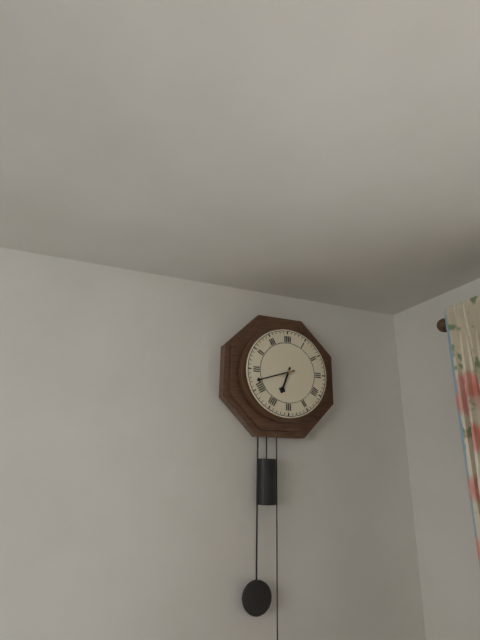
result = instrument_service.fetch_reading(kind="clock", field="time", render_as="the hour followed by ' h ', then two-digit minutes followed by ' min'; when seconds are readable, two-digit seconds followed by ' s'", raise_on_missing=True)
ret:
6 h 42 min
